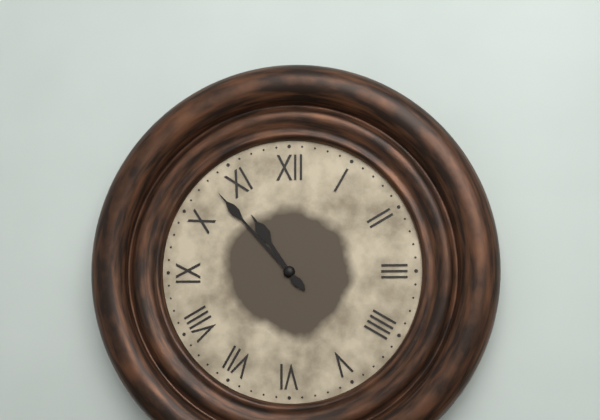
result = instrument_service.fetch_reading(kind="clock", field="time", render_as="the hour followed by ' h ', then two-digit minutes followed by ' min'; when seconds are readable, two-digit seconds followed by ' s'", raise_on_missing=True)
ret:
10 h 53 min
